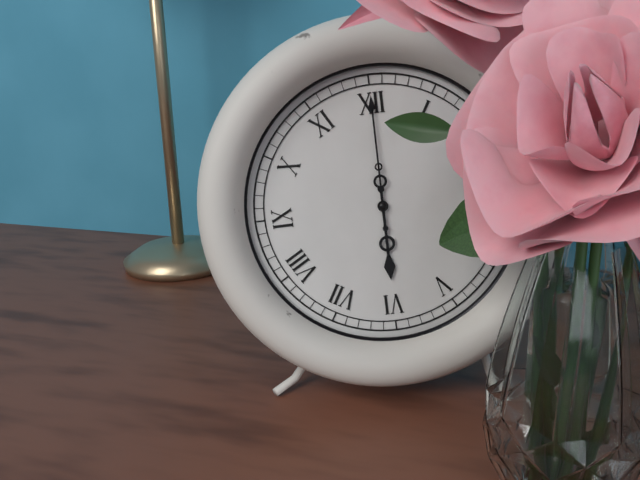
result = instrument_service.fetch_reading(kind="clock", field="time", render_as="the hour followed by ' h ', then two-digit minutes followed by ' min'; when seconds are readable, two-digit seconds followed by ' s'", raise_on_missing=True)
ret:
6 h 00 min
